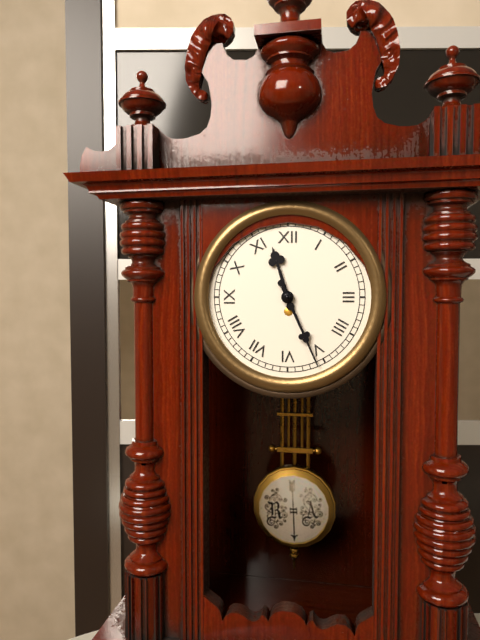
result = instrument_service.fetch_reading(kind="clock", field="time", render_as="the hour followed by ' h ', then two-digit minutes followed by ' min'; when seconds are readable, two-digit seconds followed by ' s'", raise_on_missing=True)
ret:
11 h 26 min
